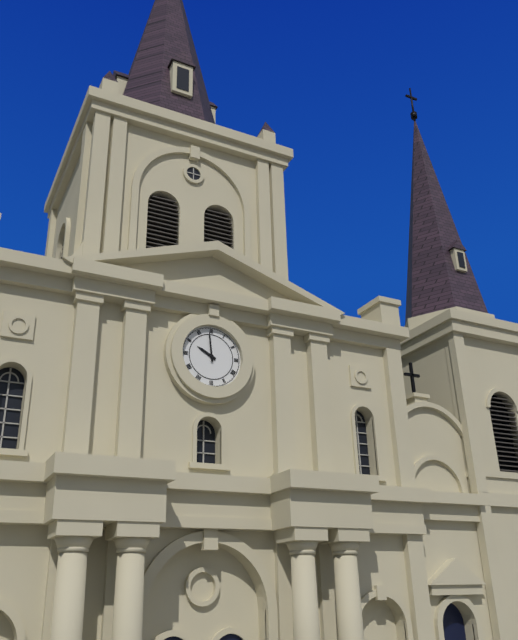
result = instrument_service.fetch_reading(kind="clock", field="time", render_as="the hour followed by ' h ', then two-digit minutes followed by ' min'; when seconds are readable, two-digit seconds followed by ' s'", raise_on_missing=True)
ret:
9 h 59 min
